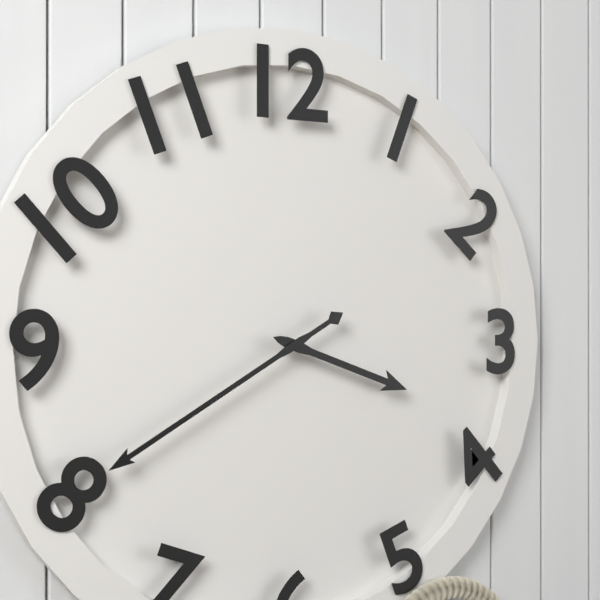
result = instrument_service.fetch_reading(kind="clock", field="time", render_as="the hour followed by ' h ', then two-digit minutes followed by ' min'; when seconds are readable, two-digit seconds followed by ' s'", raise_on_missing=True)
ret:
3 h 40 min
